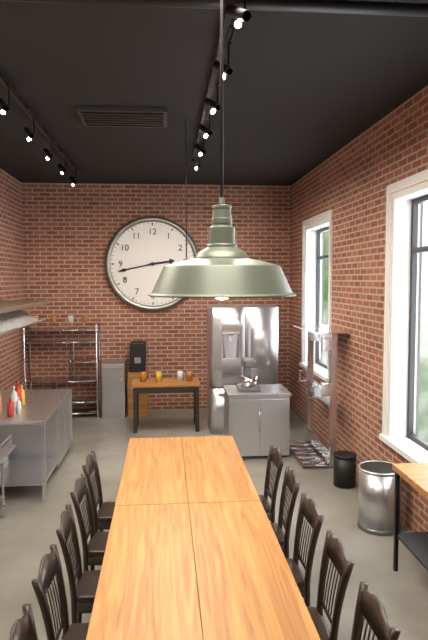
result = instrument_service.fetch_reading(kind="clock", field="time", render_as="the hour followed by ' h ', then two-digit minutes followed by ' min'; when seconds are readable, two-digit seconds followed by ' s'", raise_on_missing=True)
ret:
2 h 43 min
